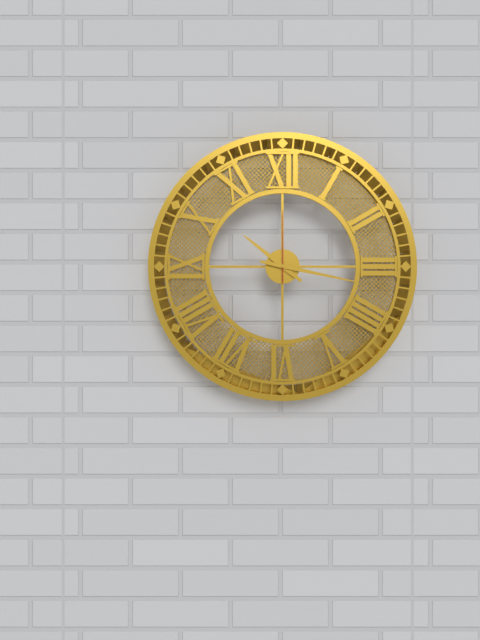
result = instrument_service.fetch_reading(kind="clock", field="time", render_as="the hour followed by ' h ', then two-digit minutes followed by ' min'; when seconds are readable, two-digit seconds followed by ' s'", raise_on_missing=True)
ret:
10 h 17 min 00 s
